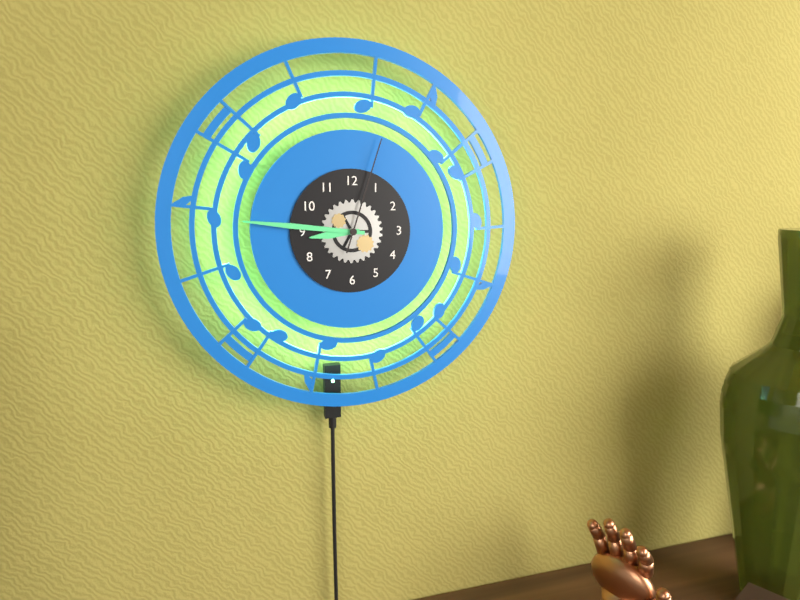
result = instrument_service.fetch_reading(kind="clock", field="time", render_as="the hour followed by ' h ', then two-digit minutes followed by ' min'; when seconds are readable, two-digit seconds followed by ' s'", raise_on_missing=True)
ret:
8 h 46 min 03 s
